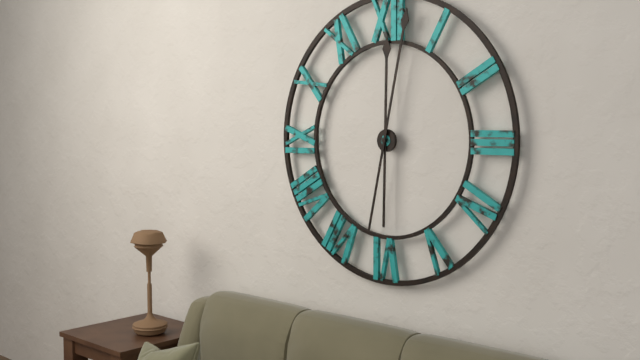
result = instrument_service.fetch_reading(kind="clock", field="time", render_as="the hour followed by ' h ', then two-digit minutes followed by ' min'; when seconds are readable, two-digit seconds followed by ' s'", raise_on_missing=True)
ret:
12 h 02 min
